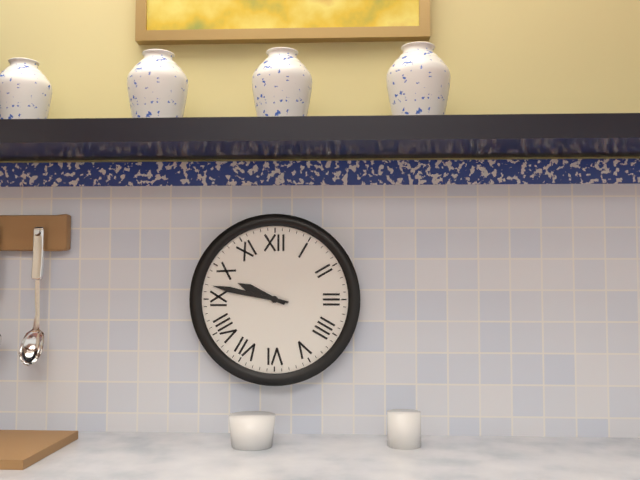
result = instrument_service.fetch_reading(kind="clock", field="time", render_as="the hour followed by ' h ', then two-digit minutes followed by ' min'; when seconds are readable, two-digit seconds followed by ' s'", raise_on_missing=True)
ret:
9 h 47 min
